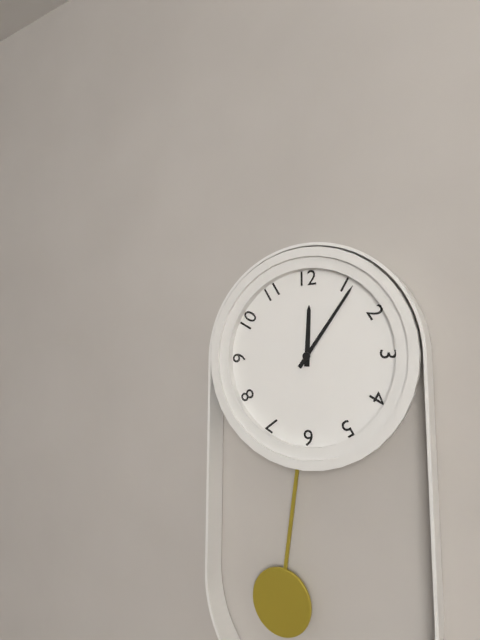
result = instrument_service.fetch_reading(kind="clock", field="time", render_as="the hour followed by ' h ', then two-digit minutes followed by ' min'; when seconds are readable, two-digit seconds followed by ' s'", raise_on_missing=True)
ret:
12 h 06 min
